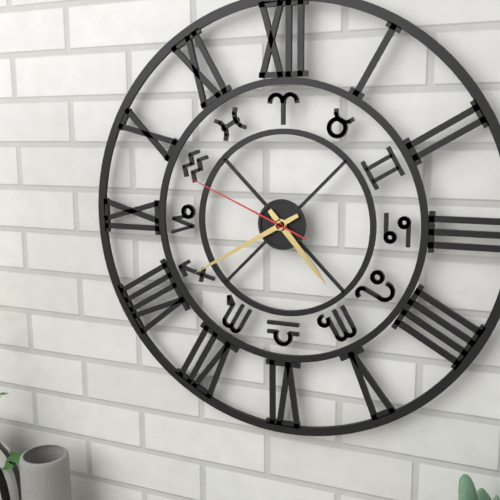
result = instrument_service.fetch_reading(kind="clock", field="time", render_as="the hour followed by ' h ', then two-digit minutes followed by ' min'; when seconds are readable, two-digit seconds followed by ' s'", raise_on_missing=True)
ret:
4 h 40 min 49 s
